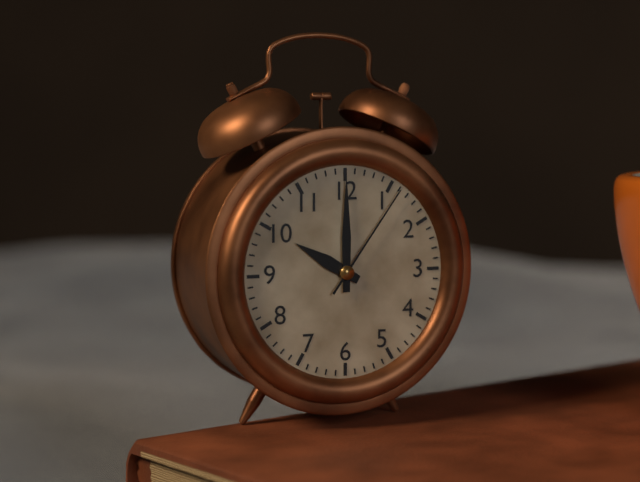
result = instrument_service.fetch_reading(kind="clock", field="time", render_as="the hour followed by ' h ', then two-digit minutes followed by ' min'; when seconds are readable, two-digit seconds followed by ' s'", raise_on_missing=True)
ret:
10 h 00 min 06 s
